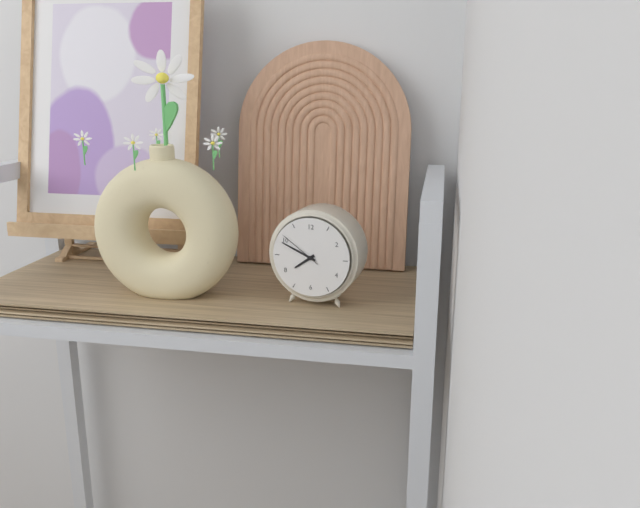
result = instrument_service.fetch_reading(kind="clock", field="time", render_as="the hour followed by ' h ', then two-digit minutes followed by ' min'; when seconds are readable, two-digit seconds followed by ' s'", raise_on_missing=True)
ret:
7 h 49 min
